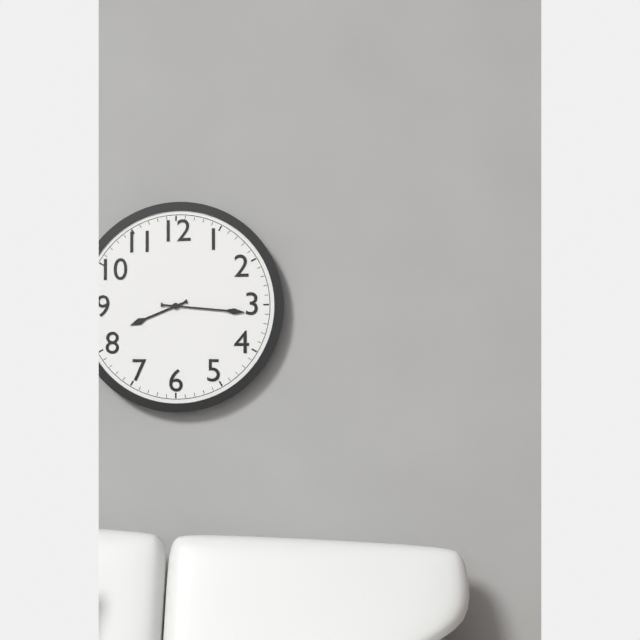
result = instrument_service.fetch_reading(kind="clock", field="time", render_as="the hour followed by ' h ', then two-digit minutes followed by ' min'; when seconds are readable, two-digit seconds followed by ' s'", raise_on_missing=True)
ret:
8 h 16 min
